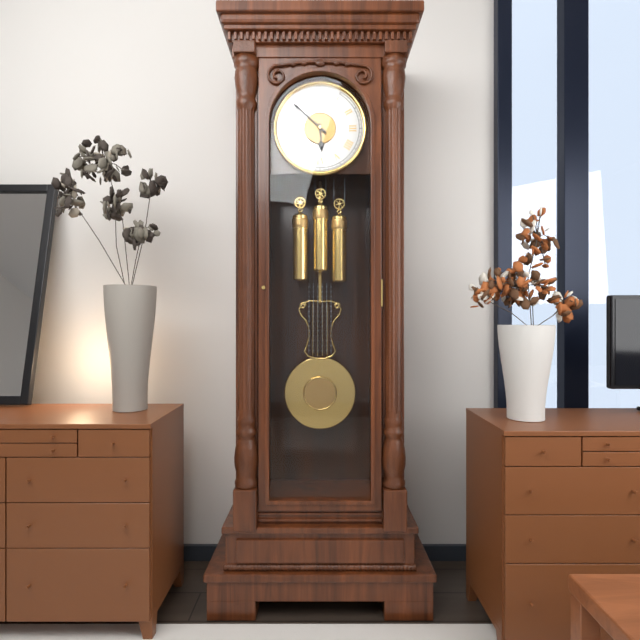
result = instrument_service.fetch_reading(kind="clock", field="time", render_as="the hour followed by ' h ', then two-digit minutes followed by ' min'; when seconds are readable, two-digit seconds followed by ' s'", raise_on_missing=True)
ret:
5 h 52 min
